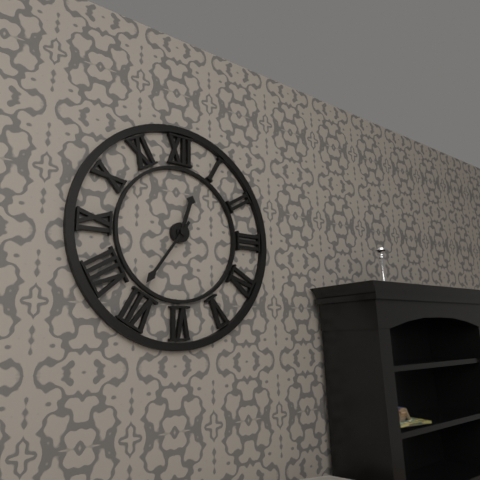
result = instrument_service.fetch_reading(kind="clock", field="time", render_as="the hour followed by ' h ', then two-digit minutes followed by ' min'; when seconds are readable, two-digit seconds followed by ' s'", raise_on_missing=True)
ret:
12 h 36 min
